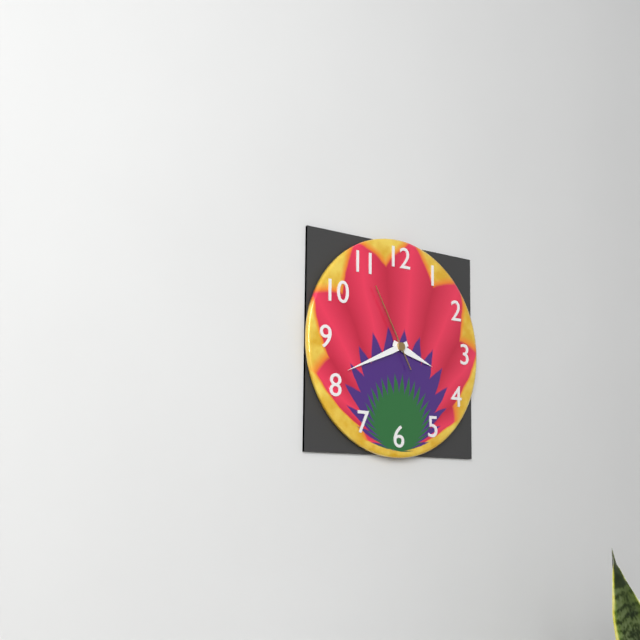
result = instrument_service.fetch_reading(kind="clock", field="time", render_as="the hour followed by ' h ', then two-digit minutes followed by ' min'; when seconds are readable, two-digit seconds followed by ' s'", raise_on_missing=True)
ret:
3 h 41 min 55 s
